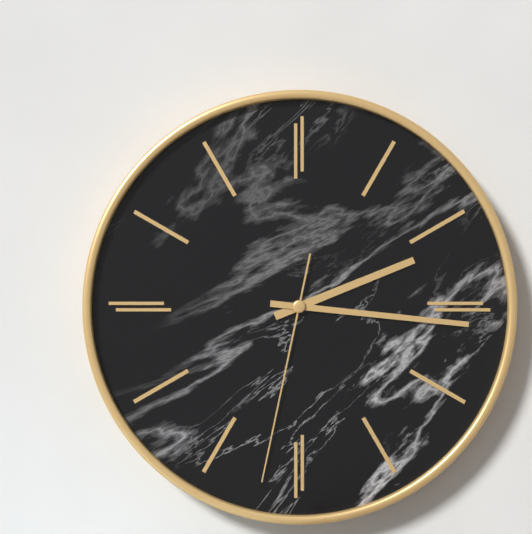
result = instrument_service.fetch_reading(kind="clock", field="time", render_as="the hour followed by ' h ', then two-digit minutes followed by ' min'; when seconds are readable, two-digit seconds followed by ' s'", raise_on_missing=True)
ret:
2 h 16 min 32 s
